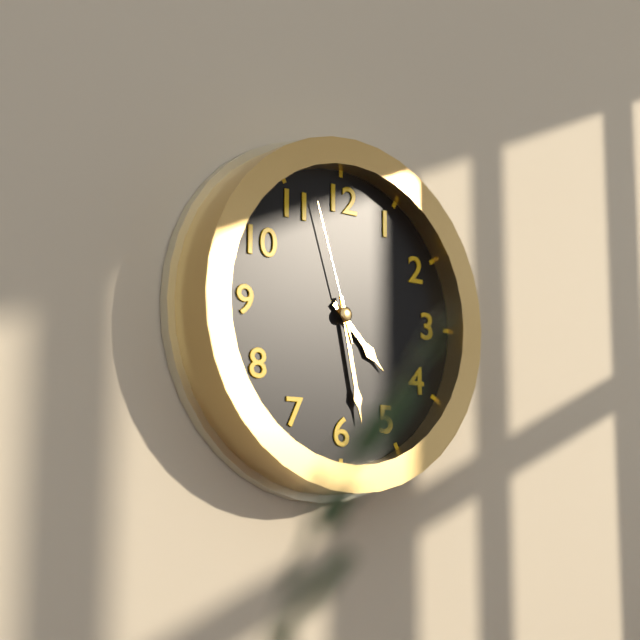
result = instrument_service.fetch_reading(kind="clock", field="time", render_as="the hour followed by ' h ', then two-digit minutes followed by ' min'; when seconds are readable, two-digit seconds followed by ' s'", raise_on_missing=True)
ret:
4 h 28 min 57 s
